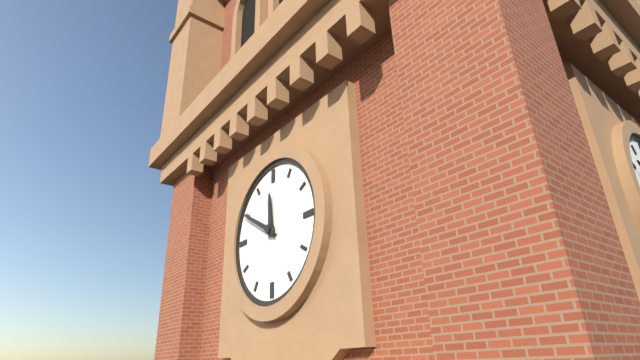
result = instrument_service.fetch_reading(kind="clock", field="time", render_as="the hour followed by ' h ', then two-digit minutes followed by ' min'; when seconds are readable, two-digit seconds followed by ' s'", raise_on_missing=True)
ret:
11 h 50 min
